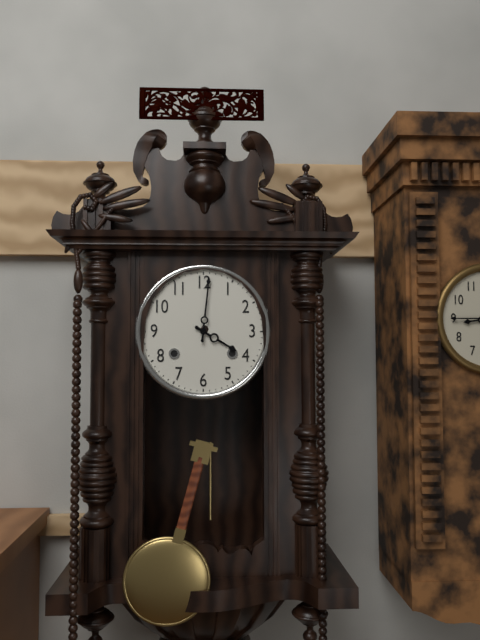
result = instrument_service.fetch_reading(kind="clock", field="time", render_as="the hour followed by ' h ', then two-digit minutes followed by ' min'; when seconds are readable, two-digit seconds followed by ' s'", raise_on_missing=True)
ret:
4 h 01 min
